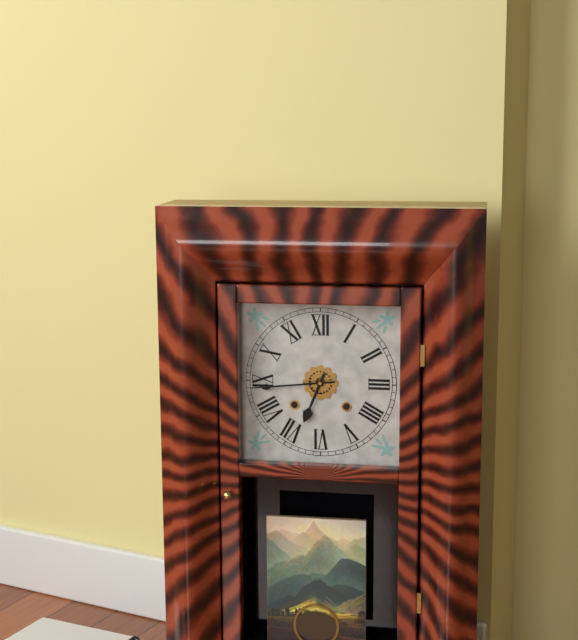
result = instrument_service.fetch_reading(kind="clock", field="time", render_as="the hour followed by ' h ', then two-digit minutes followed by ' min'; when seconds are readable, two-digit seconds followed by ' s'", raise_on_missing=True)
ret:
6 h 44 min
